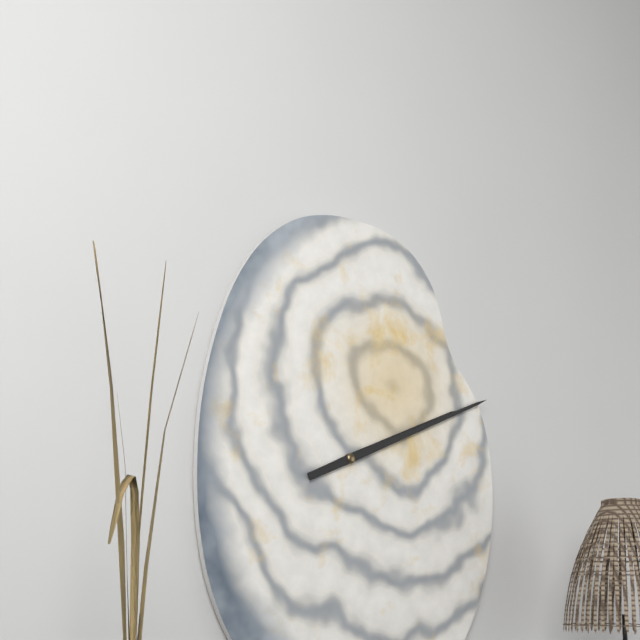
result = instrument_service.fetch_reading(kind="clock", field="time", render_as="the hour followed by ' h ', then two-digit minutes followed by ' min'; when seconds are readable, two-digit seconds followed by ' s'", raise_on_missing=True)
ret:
2 h 11 min
